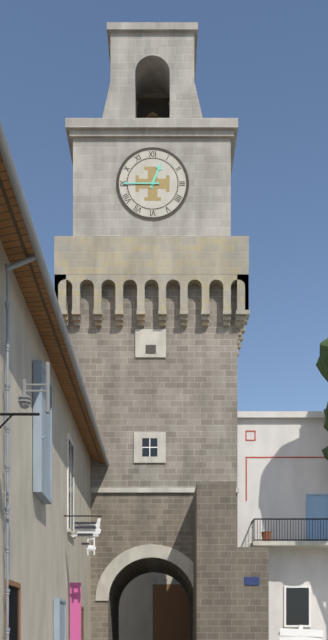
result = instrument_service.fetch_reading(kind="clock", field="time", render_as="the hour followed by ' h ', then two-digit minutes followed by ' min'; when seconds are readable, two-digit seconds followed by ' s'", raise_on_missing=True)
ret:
12 h 45 min
